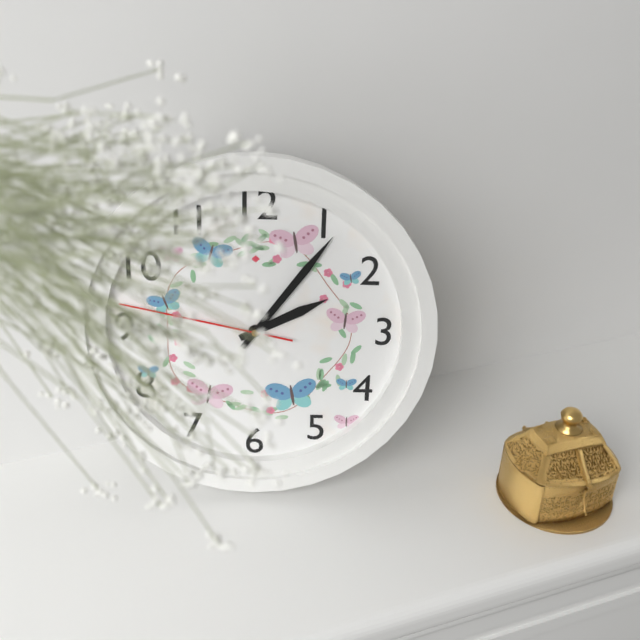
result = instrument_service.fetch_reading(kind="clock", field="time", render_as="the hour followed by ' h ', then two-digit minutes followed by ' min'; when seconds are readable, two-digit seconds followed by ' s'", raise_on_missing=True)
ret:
2 h 06 min 47 s
